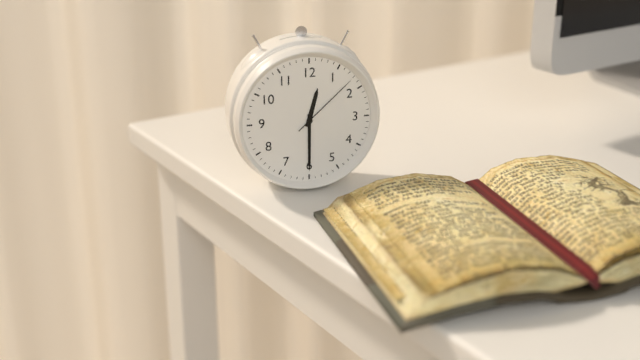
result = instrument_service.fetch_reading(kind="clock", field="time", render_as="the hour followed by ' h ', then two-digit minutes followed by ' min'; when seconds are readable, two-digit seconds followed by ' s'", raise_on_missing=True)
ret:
12 h 30 min 08 s
